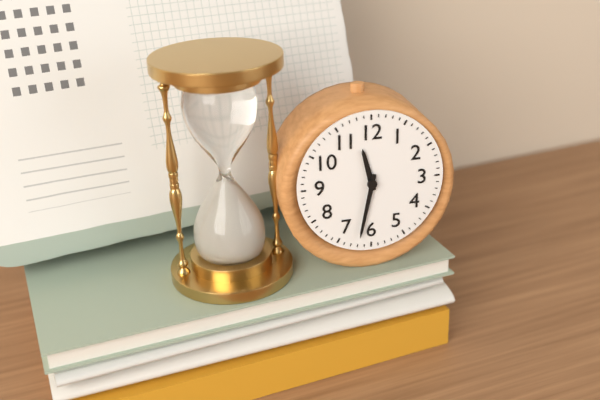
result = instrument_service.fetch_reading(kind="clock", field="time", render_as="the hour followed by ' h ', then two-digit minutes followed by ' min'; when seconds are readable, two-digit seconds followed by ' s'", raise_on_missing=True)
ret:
11 h 32 min
